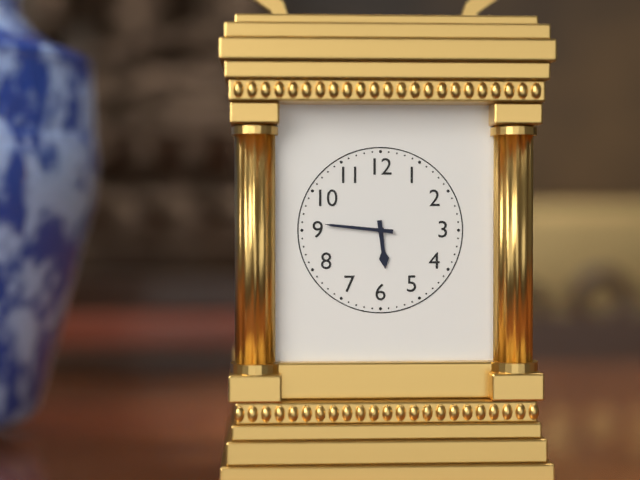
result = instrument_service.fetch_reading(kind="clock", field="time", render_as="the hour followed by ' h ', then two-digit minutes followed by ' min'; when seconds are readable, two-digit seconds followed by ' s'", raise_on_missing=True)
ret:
5 h 46 min
